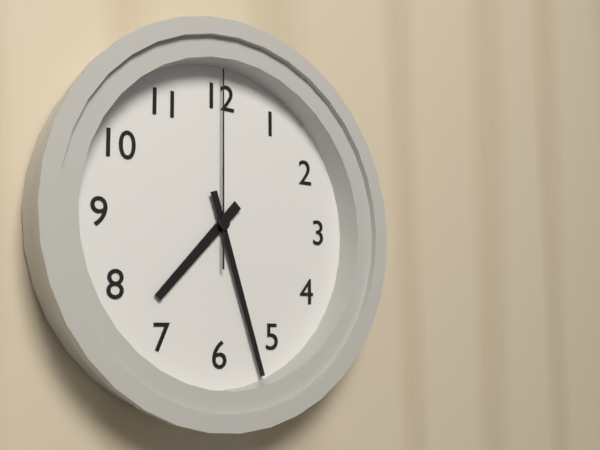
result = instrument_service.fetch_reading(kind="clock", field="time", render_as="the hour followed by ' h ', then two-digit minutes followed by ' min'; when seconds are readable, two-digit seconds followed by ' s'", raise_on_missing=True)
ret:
7 h 27 min 00 s
